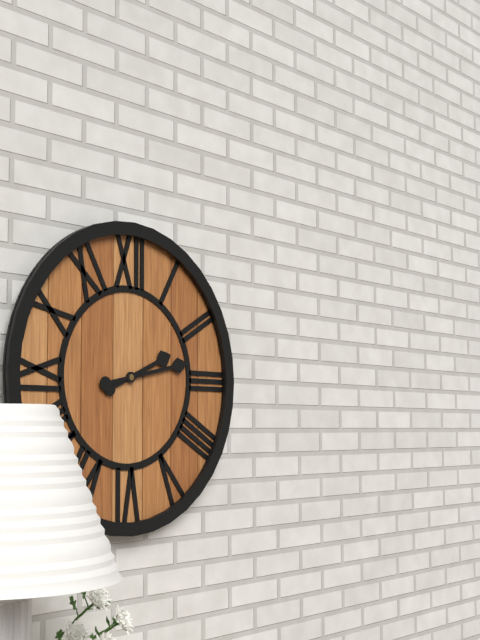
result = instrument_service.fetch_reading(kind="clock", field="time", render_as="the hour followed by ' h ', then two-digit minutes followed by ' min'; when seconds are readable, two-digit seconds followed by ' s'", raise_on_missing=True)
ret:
2 h 13 min
